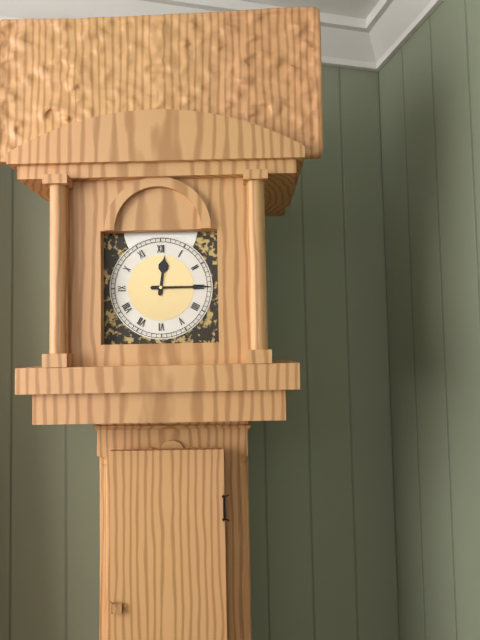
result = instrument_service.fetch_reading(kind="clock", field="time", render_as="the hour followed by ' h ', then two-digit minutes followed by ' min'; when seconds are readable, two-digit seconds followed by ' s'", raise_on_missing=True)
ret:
12 h 15 min
